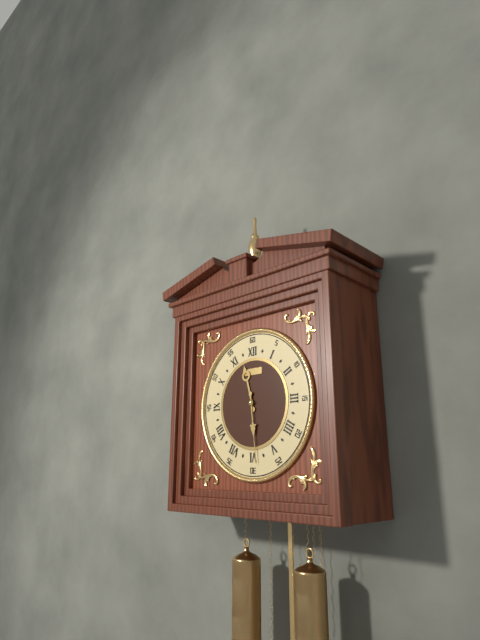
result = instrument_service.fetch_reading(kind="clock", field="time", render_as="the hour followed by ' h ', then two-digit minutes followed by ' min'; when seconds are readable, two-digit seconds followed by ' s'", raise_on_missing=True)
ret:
11 h 29 min
